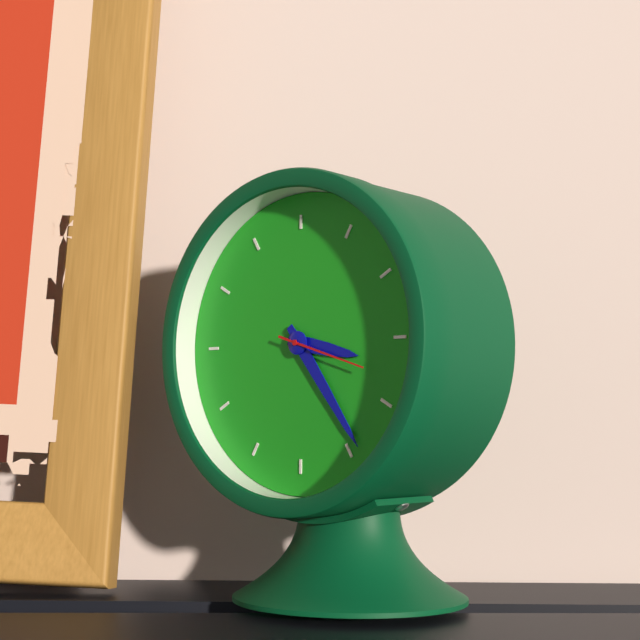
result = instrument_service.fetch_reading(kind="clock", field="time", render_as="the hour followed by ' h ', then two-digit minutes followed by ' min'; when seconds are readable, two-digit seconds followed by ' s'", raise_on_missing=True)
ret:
3 h 24 min 18 s
